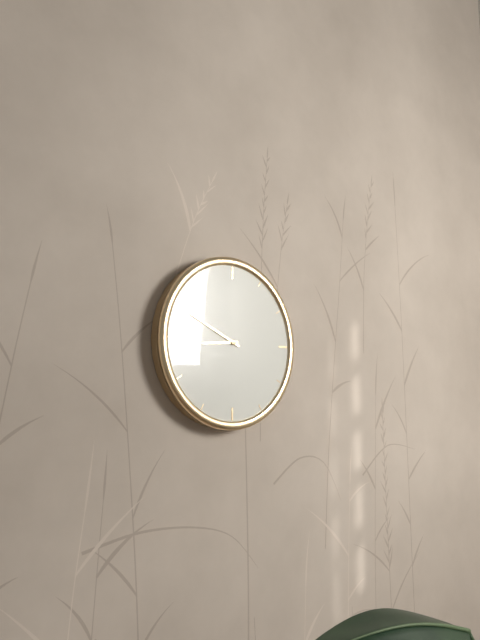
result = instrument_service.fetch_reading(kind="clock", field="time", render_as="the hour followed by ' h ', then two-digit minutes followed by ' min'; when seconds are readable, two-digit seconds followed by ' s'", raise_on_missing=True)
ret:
8 h 49 min
